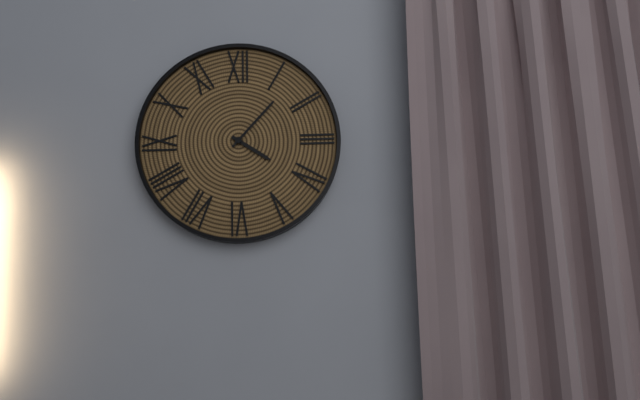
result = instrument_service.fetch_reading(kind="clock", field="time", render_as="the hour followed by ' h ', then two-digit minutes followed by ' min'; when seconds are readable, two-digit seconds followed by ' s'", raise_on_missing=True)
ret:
4 h 07 min
